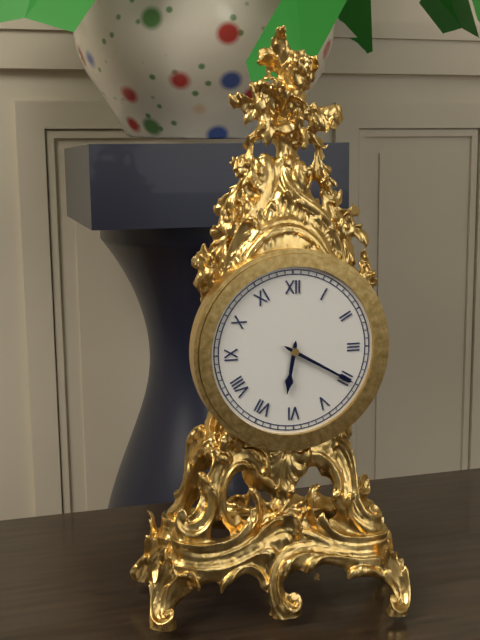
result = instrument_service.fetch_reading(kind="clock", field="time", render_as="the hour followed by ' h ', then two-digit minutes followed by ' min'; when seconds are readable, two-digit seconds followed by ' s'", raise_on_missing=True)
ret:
6 h 20 min
